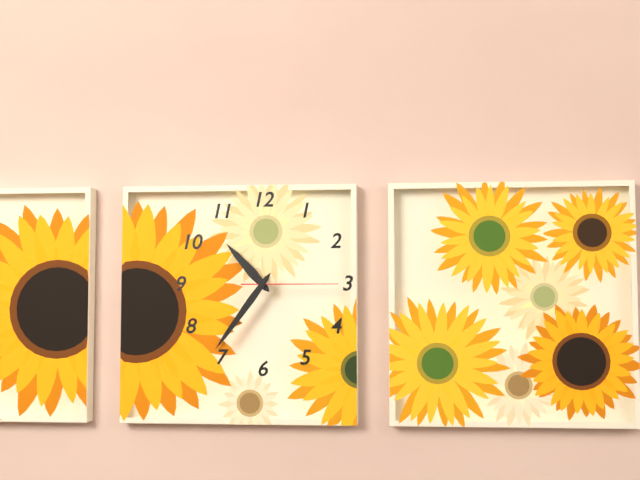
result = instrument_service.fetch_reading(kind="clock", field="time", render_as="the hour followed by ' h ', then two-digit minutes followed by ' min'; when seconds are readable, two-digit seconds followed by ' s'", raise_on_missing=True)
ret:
10 h 36 min 15 s
